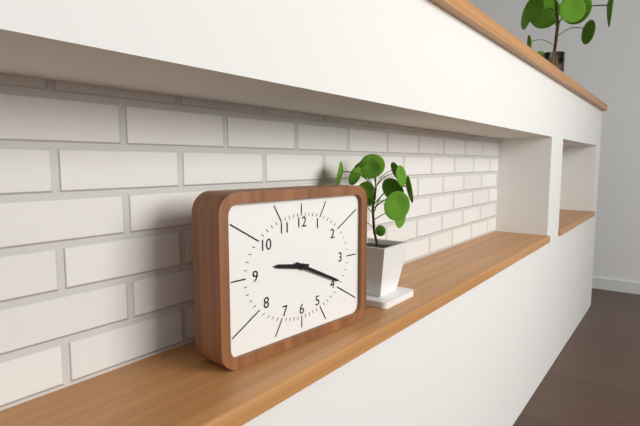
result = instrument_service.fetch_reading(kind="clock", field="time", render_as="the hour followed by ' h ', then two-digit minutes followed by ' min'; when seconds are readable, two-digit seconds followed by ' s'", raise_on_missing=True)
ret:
9 h 19 min
